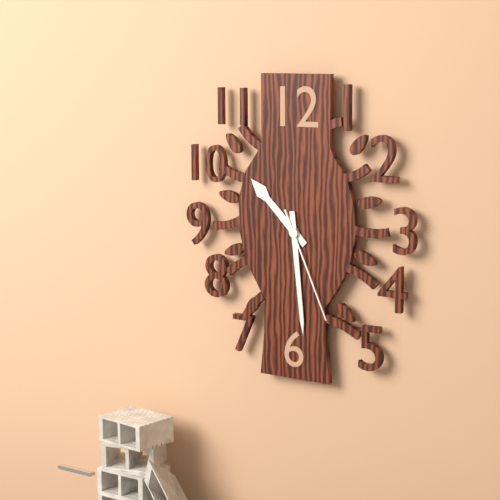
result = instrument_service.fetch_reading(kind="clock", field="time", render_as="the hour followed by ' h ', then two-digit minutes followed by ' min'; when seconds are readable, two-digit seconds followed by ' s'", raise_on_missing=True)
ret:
10 h 29 min 26 s
